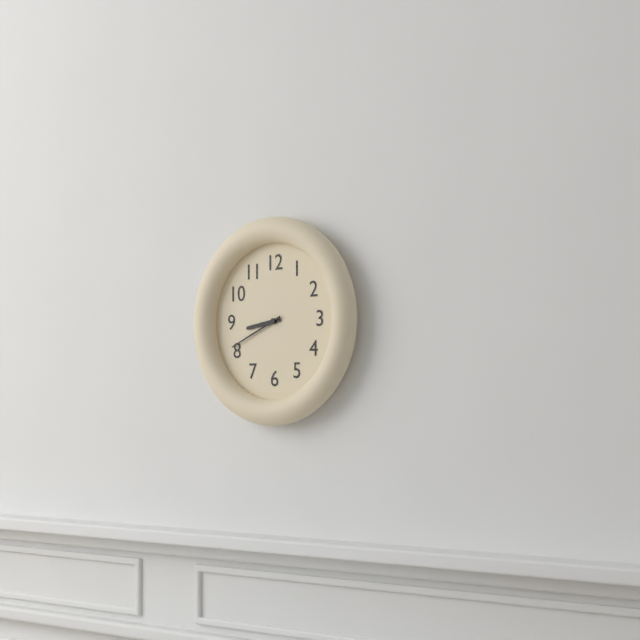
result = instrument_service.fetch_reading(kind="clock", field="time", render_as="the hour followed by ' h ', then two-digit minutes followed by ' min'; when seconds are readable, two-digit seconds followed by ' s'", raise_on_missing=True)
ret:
8 h 41 min
